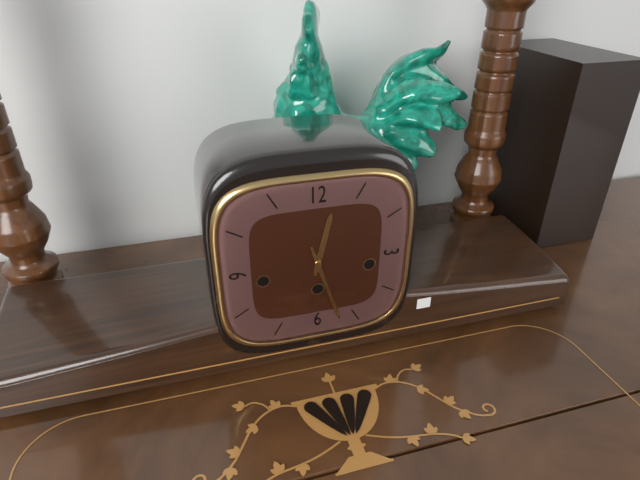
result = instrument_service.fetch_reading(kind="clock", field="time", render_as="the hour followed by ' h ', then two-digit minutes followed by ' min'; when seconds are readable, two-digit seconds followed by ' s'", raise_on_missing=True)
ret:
12 h 27 min
